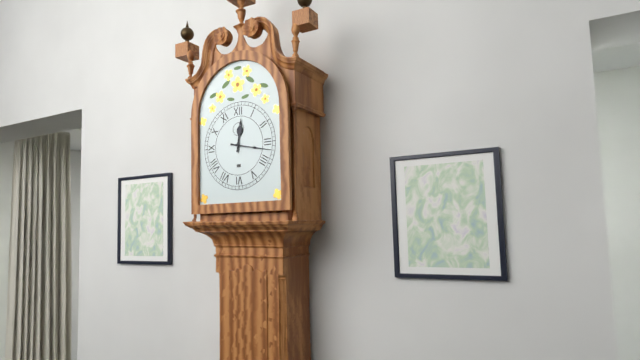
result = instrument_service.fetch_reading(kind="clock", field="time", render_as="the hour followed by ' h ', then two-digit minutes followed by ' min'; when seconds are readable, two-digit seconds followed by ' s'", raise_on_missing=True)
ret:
12 h 17 min
